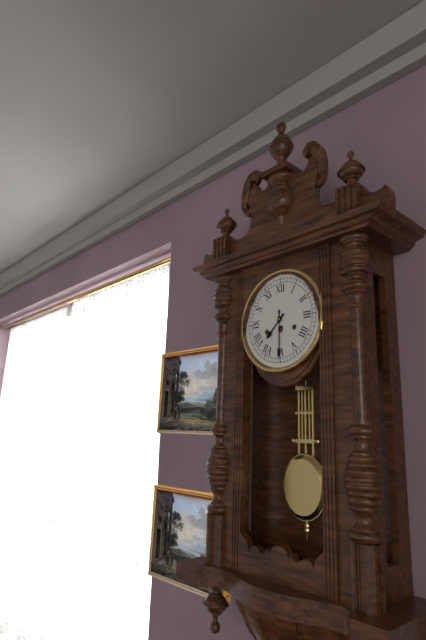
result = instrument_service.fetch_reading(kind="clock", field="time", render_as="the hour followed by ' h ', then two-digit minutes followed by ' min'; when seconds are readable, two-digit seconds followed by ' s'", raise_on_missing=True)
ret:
7 h 30 min
